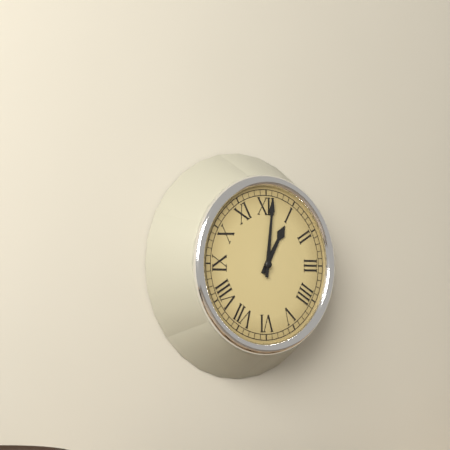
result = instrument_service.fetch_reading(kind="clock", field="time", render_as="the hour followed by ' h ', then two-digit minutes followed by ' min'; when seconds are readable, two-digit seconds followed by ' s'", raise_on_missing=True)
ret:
1 h 01 min
